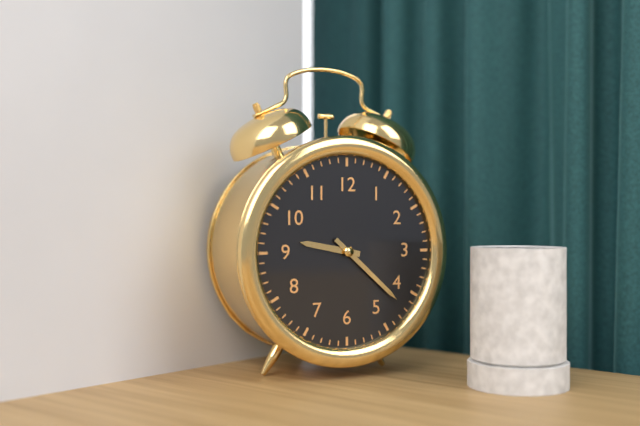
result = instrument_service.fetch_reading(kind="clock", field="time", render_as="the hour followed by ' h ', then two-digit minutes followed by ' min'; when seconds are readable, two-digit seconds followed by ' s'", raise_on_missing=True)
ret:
9 h 22 min
